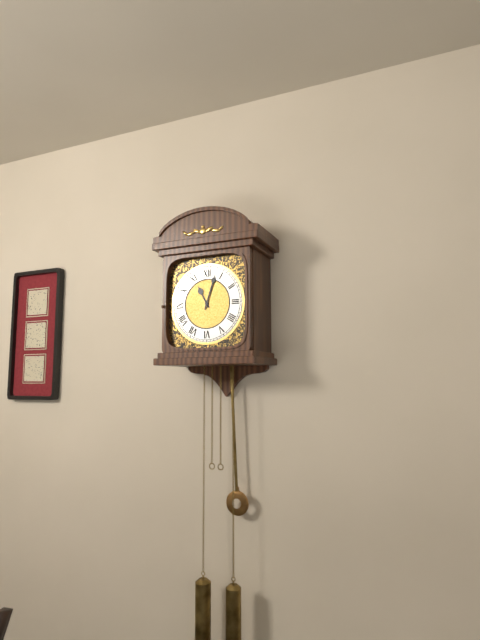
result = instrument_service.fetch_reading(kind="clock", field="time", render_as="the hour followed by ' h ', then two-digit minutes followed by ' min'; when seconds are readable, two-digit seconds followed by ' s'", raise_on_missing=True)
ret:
11 h 03 min
